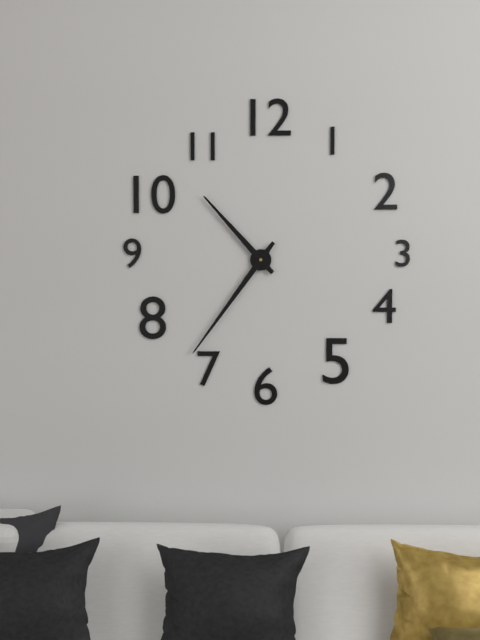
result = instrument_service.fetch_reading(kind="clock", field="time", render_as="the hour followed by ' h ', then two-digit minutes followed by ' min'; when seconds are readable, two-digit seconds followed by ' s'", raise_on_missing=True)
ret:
10 h 36 min
